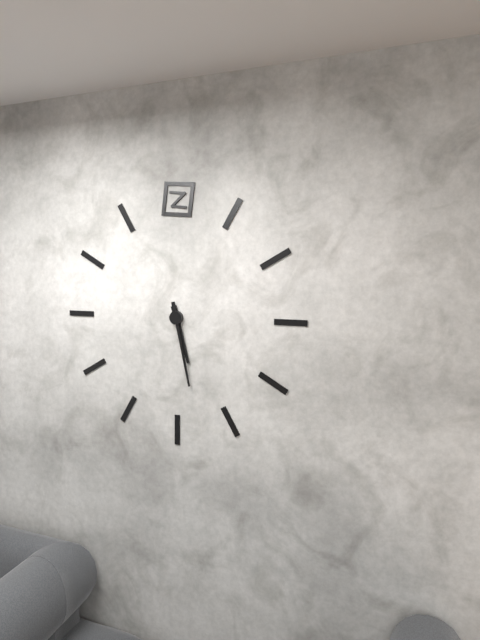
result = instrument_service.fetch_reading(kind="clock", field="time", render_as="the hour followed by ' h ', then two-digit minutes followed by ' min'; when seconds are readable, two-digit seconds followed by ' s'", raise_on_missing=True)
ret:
5 h 28 min
